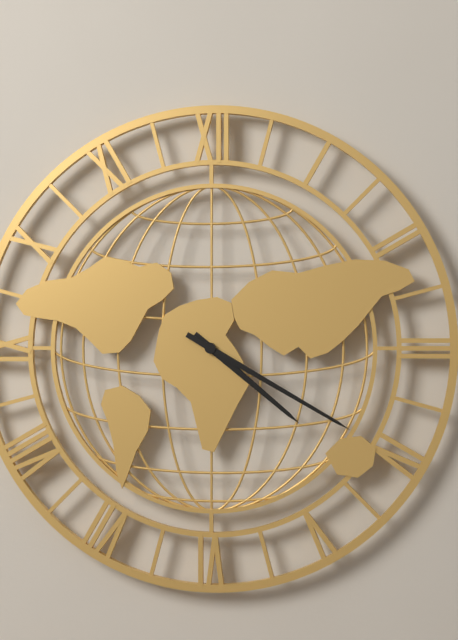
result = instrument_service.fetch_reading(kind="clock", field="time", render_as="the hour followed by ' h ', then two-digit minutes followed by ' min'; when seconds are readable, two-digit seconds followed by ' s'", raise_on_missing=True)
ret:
4 h 20 min
